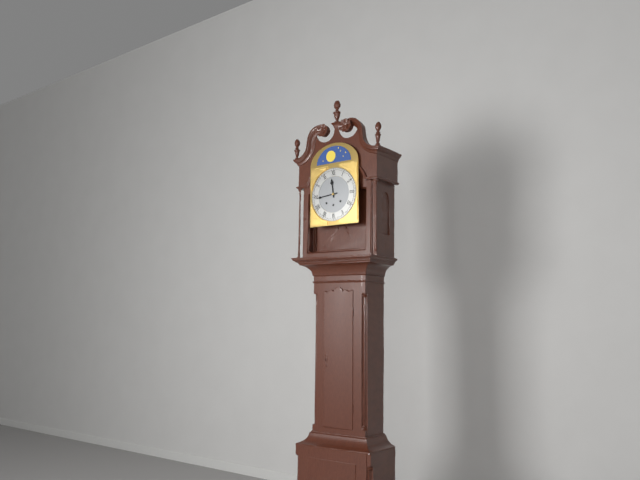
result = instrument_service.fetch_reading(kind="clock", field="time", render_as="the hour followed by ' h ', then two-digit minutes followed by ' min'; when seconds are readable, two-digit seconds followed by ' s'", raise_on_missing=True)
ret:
11 h 44 min
